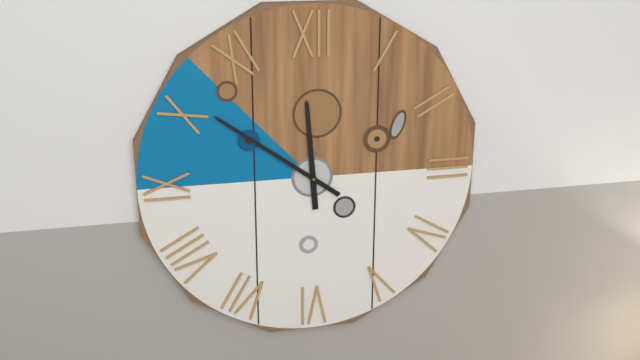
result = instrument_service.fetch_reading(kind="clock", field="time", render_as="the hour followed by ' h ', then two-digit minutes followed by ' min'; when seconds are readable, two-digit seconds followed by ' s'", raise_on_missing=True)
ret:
11 h 51 min
